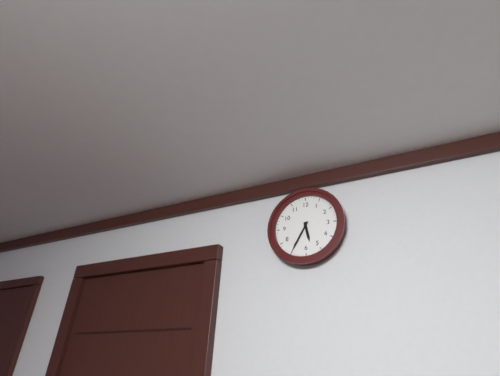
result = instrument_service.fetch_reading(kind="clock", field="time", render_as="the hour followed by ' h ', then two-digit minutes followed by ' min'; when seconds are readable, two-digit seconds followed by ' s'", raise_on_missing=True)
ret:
5 h 35 min
